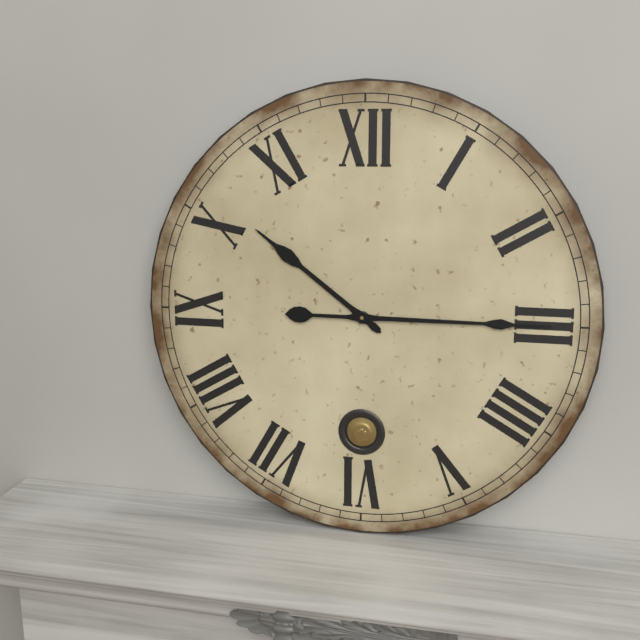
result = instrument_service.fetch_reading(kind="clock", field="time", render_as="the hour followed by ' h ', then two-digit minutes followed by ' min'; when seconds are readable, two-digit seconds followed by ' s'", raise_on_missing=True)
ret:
10 h 15 min
